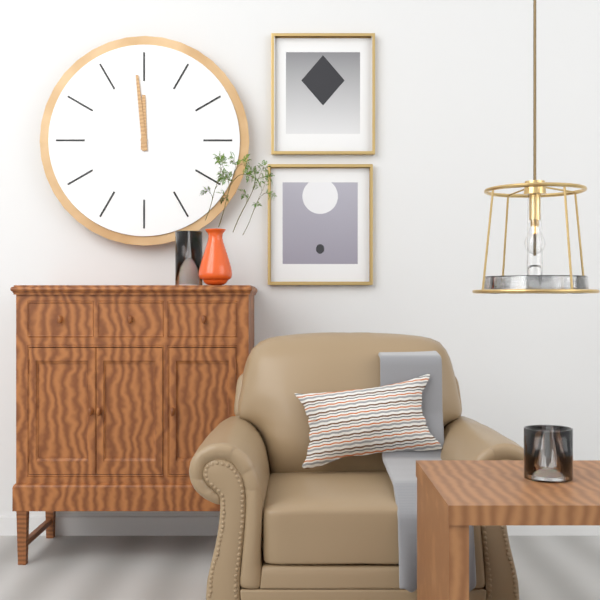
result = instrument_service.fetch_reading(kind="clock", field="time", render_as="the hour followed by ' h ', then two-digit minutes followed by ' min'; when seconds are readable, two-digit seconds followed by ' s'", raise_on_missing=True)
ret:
11 h 59 min
